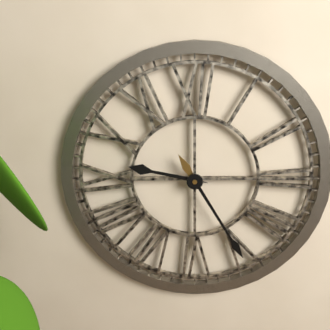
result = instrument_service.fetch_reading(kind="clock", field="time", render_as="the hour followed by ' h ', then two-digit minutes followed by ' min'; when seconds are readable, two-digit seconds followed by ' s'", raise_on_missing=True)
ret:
9 h 25 min
